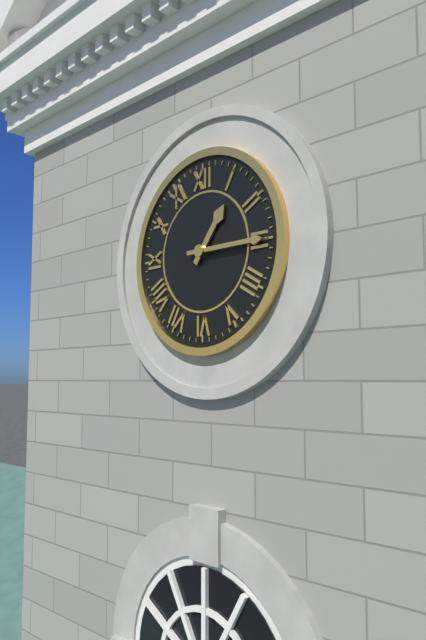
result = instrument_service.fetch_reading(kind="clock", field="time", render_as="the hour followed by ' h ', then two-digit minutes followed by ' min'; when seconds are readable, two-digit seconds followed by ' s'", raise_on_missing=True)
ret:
1 h 15 min
